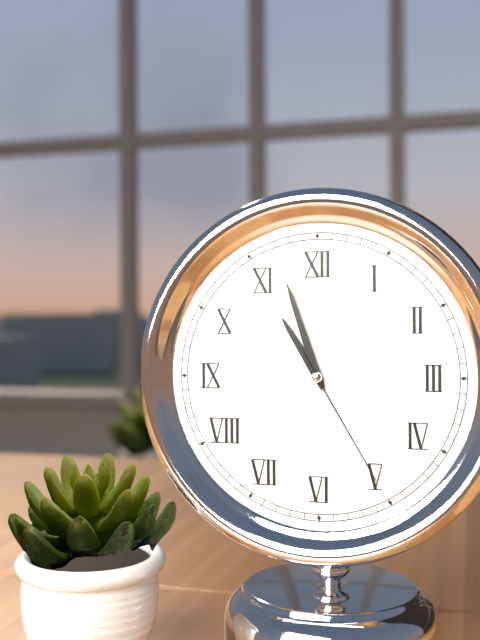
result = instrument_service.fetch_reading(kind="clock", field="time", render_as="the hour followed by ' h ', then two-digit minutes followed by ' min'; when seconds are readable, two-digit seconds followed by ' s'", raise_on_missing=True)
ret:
10 h 57 min 25 s
